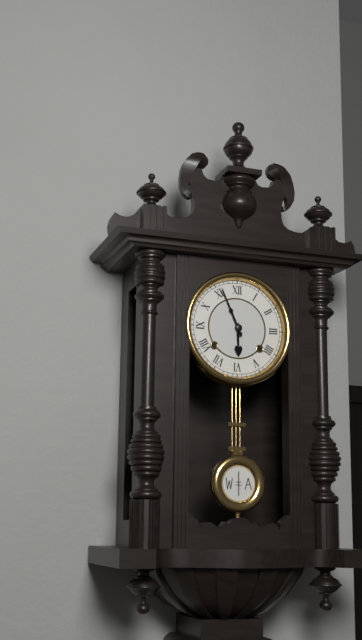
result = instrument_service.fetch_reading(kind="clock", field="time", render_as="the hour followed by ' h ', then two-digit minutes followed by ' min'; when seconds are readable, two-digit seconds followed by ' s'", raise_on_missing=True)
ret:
5 h 56 min
